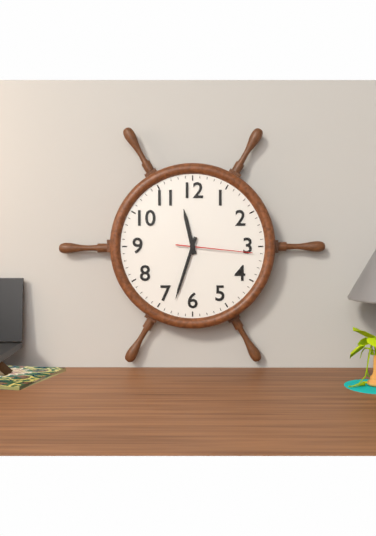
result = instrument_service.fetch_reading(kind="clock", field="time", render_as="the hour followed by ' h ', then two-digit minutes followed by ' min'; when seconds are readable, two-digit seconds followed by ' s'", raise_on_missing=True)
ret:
11 h 33 min 16 s
